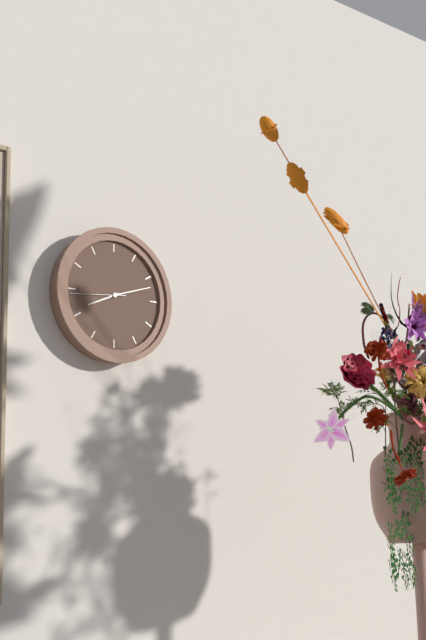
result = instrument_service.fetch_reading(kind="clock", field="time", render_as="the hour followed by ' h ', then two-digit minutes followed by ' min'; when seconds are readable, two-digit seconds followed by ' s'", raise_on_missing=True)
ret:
8 h 12 min 44 s
